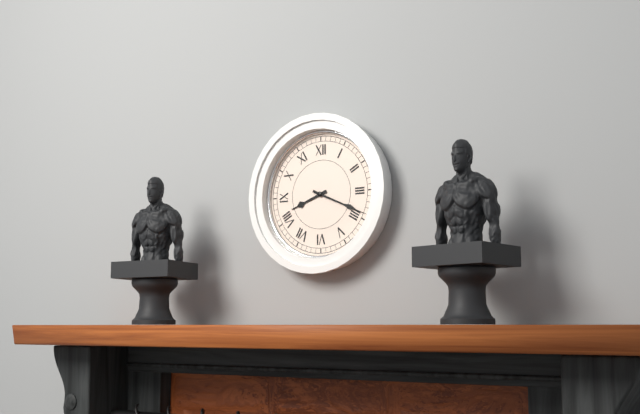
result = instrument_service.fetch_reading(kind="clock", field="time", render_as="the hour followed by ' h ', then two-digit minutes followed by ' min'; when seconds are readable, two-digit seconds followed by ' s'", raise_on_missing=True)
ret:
8 h 19 min
